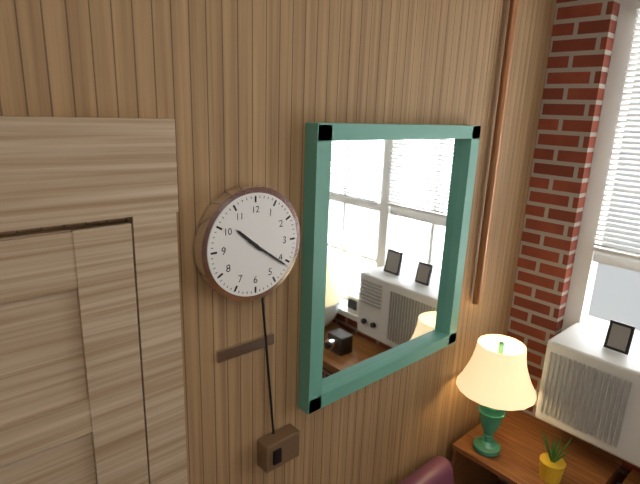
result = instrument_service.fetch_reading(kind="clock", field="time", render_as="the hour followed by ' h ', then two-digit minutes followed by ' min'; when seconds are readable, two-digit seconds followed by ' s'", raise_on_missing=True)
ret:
10 h 21 min
